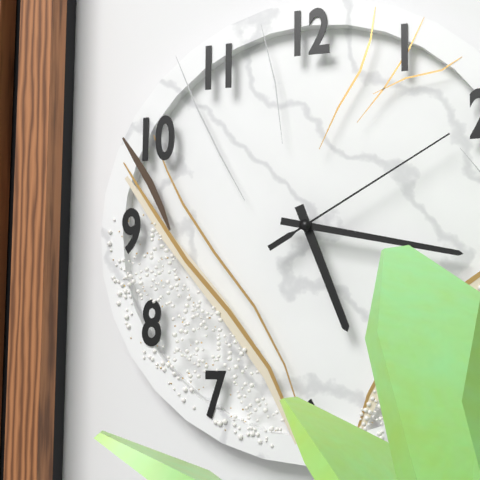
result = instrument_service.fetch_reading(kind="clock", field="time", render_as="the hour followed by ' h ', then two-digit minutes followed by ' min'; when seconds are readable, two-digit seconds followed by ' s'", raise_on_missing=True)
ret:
5 h 17 min 10 s
